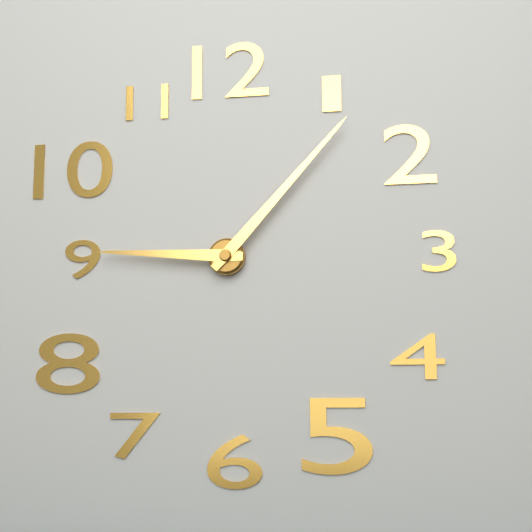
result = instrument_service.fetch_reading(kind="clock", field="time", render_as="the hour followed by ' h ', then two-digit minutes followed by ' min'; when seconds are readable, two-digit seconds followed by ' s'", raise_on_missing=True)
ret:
9 h 07 min
